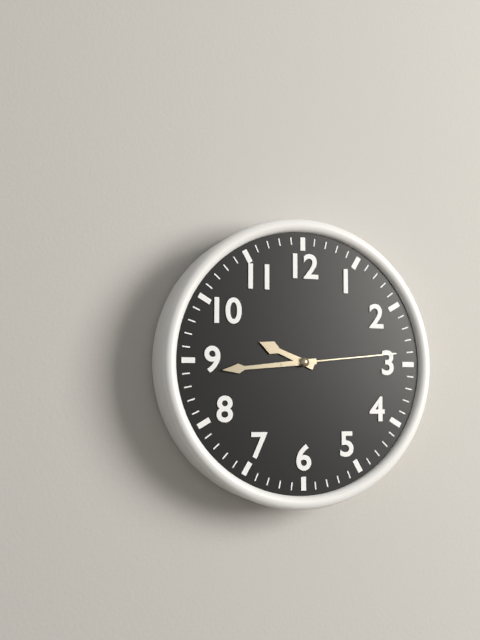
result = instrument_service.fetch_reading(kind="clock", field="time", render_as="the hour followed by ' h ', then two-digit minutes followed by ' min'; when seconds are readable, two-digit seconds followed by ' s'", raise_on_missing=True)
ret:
9 h 44 min 14 s
